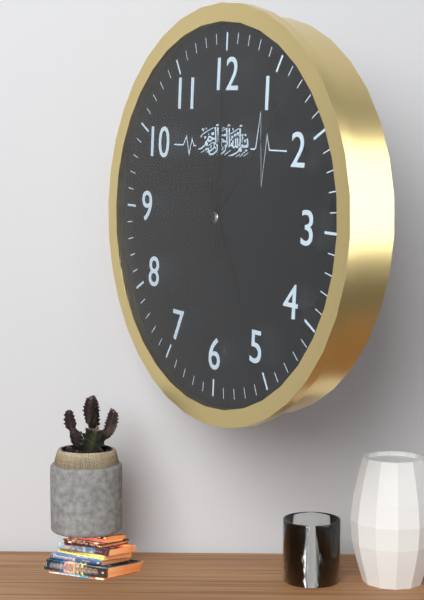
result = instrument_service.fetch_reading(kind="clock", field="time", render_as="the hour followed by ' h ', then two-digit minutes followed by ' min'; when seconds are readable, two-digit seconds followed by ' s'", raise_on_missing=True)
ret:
5 h 00 min 07 s
